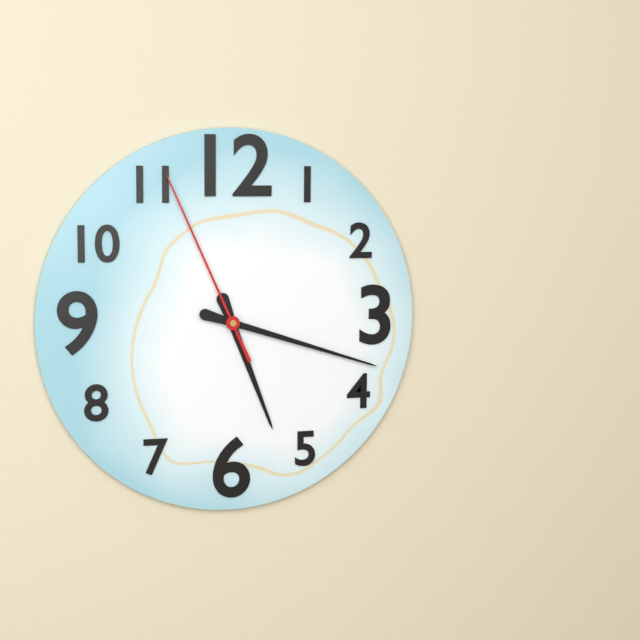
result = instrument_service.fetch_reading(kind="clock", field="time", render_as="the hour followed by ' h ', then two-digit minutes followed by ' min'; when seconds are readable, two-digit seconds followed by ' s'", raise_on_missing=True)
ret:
5 h 18 min 56 s
